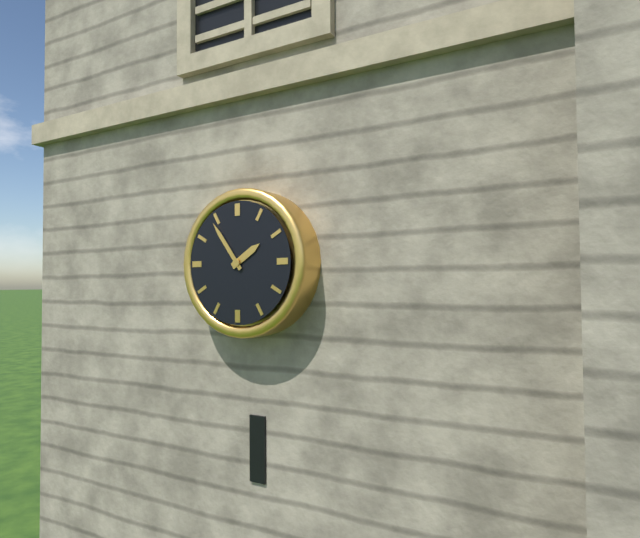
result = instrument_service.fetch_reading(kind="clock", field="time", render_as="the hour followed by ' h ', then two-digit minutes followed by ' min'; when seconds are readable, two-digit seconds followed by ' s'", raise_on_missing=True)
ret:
1 h 54 min
